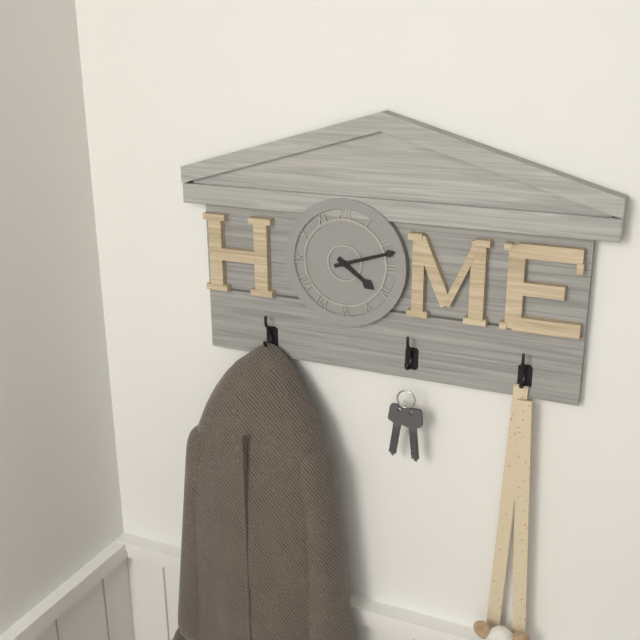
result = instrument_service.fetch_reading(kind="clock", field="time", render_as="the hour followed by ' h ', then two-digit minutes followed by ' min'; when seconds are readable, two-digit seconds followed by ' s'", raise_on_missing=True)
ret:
4 h 12 min
